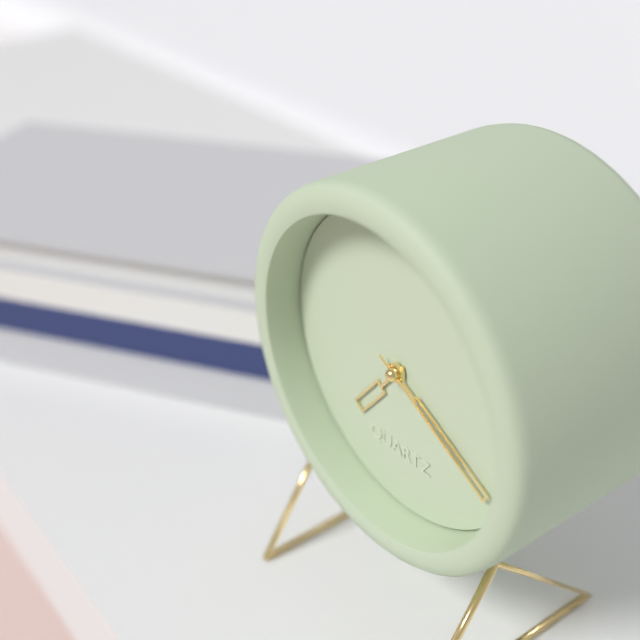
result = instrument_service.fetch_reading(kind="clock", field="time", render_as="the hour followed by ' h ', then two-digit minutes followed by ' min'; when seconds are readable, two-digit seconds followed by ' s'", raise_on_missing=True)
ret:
7 h 20 min 20 s
